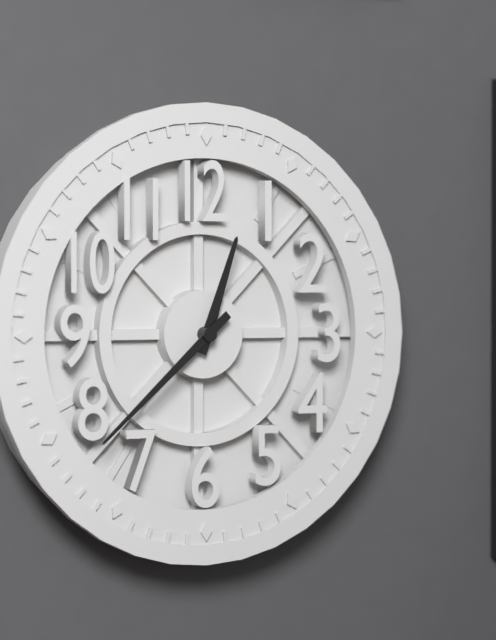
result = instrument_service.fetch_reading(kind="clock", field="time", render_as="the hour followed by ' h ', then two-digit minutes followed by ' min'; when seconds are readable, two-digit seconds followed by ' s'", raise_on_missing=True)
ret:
12 h 38 min
